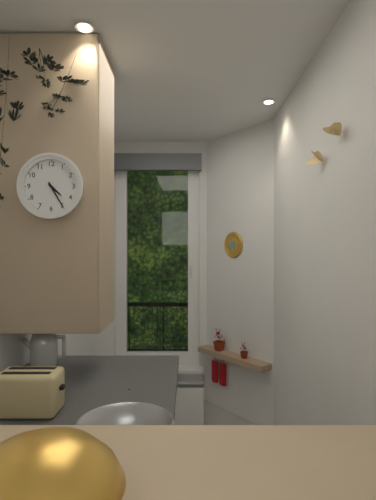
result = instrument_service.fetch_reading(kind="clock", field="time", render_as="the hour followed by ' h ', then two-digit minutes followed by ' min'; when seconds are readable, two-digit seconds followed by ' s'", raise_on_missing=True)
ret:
4 h 25 min
